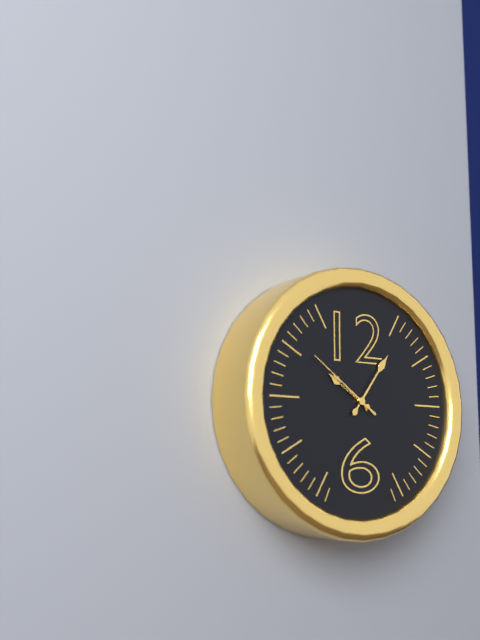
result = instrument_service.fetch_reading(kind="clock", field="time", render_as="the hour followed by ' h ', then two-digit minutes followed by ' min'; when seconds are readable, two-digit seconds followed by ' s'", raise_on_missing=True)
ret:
10 h 06 min 51 s
